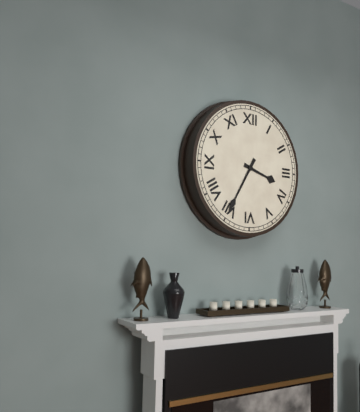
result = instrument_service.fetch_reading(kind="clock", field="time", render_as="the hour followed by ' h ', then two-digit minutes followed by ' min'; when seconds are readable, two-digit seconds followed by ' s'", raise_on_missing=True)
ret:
3 h 35 min
